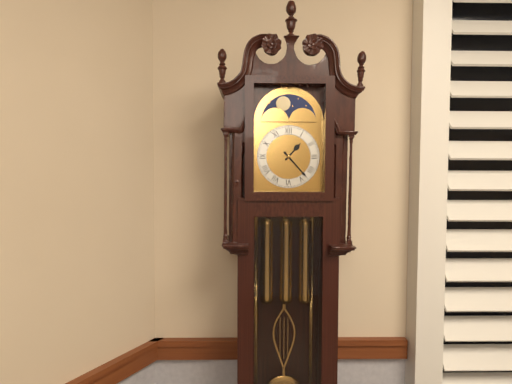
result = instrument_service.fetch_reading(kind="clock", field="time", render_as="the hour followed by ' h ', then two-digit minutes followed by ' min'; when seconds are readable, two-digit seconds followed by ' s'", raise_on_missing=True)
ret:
1 h 23 min
